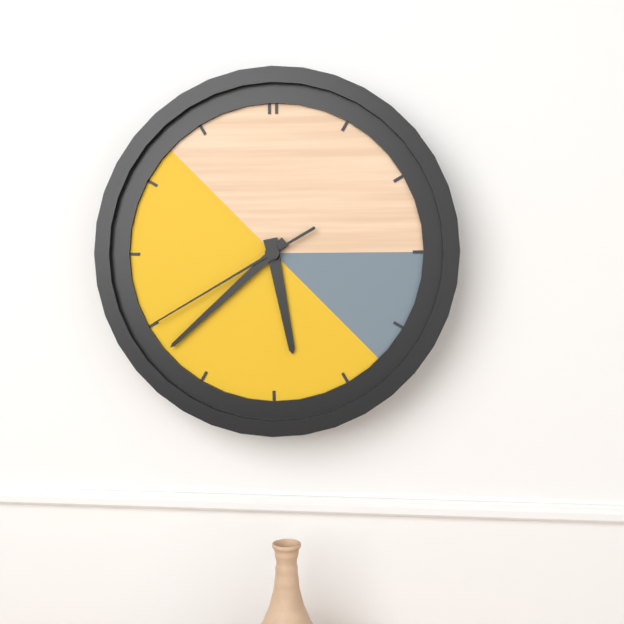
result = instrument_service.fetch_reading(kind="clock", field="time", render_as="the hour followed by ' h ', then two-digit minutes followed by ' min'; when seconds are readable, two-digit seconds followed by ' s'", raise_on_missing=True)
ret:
5 h 38 min 40 s
